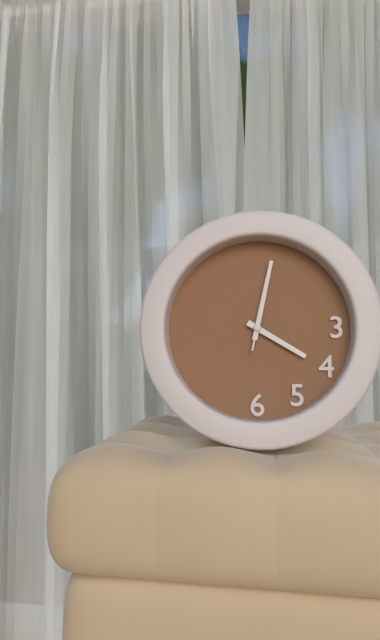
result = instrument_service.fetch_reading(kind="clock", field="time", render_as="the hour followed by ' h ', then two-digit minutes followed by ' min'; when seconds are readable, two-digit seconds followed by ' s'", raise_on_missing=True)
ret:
4 h 02 min 02 s
